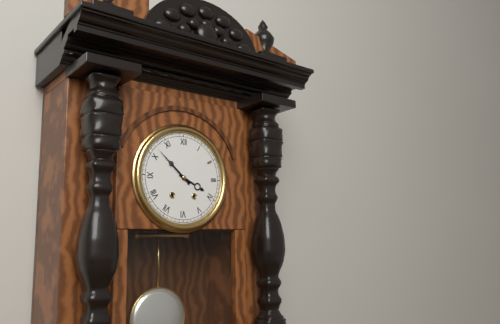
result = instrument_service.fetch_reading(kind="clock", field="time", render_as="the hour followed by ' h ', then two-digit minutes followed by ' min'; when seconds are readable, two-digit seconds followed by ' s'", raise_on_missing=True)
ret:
3 h 52 min
